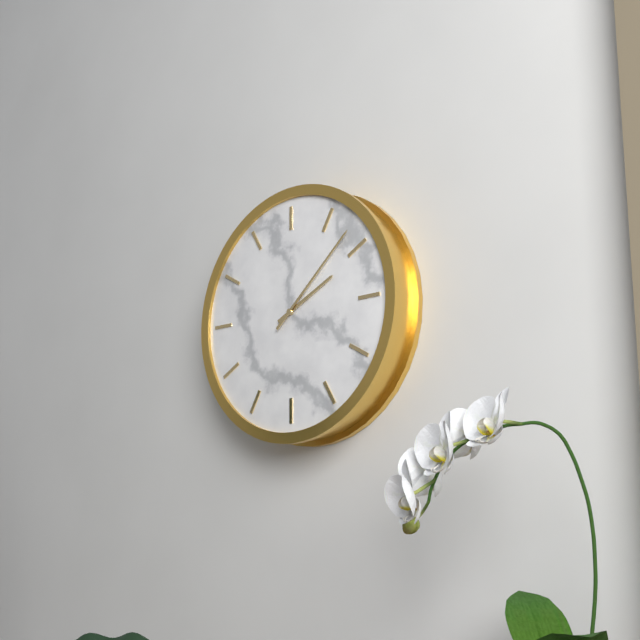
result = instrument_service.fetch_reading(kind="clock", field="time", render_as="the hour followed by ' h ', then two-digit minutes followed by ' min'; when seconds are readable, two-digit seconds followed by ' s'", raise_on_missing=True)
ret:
2 h 08 min
